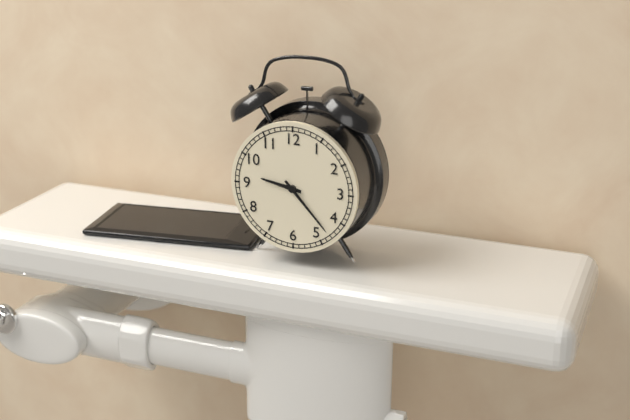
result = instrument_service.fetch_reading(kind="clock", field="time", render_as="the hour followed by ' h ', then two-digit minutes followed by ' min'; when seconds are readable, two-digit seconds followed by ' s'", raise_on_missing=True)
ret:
9 h 23 min
